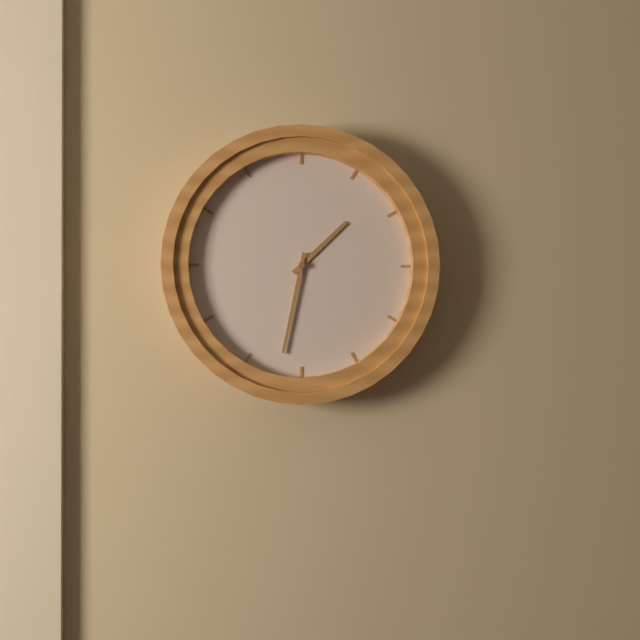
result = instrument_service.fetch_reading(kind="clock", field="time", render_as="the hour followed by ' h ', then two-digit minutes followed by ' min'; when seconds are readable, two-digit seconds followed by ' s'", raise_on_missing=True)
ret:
1 h 32 min
